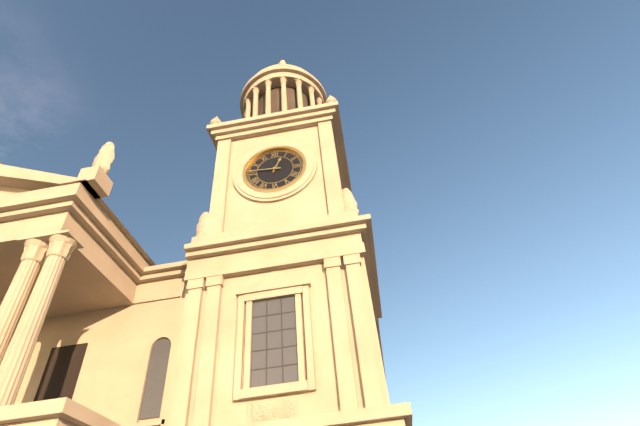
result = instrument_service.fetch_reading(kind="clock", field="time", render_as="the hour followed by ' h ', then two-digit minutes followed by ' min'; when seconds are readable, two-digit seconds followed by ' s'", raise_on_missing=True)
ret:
12 h 46 min
